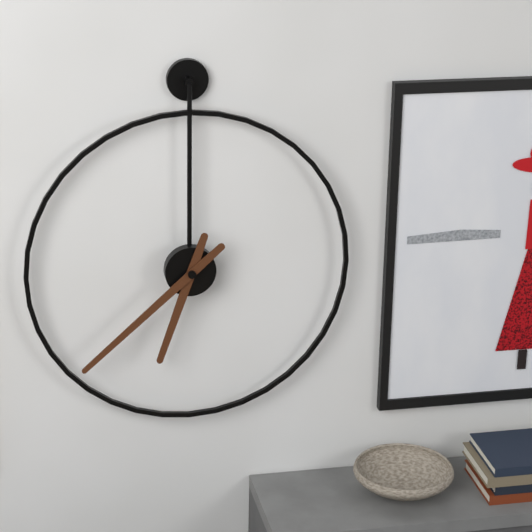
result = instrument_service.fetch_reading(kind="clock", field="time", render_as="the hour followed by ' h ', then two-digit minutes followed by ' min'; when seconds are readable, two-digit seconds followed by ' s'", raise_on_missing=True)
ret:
6 h 38 min
